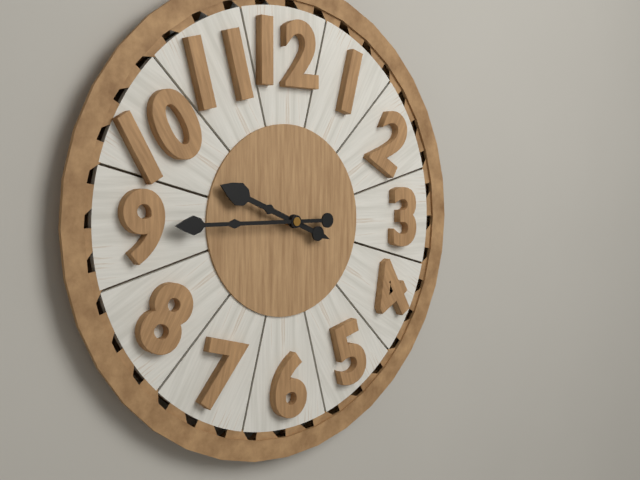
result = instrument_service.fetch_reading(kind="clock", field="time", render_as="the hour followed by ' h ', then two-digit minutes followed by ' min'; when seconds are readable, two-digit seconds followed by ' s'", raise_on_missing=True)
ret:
9 h 45 min
